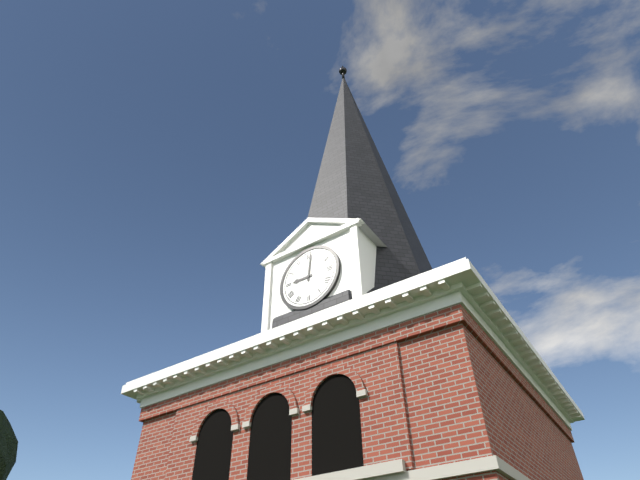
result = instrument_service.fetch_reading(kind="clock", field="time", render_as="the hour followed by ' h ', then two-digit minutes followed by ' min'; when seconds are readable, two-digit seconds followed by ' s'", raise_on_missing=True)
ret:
9 h 01 min
